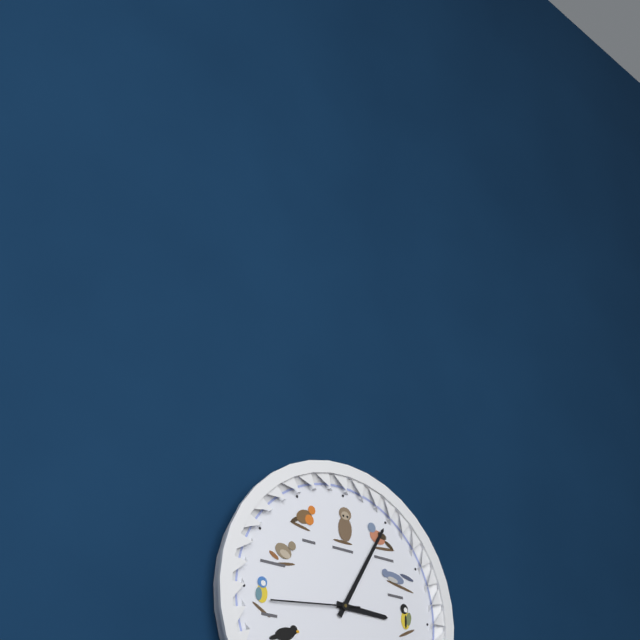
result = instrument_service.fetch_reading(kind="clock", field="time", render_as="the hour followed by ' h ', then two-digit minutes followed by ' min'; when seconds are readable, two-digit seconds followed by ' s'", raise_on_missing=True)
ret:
3 h 05 min 44 s
